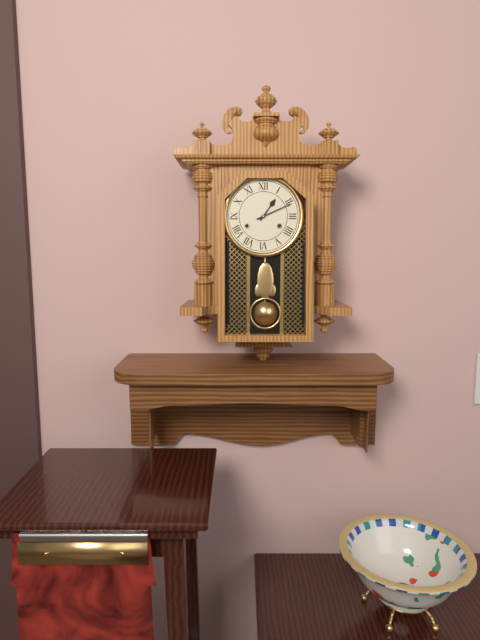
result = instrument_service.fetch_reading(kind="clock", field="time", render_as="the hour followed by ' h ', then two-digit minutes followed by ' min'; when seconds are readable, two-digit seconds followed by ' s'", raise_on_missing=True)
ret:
1 h 11 min
